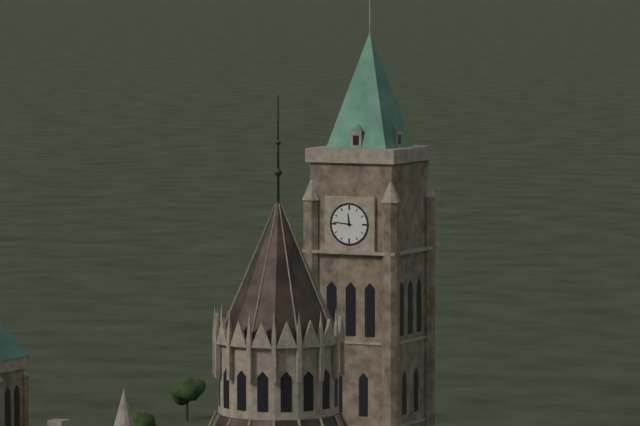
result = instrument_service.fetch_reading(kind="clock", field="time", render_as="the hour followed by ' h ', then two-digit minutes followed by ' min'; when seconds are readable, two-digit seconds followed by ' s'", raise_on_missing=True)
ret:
11 h 46 min
